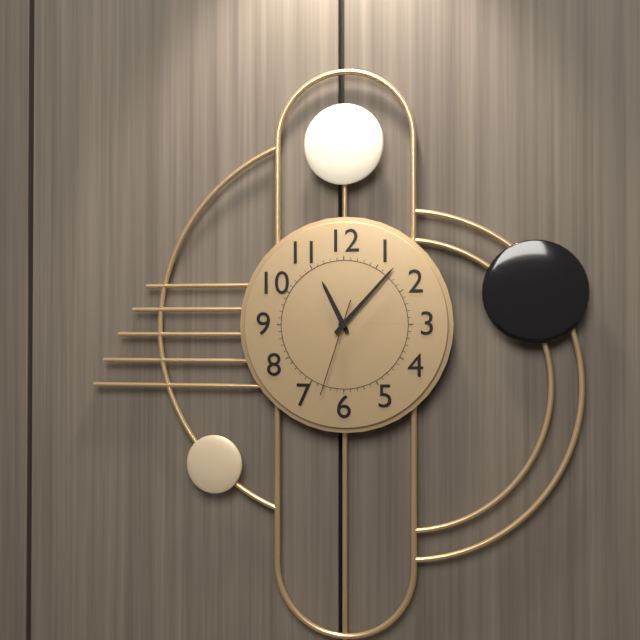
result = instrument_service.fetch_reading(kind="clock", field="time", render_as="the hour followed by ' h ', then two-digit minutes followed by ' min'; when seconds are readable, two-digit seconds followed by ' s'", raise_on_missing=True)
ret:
11 h 07 min 33 s
